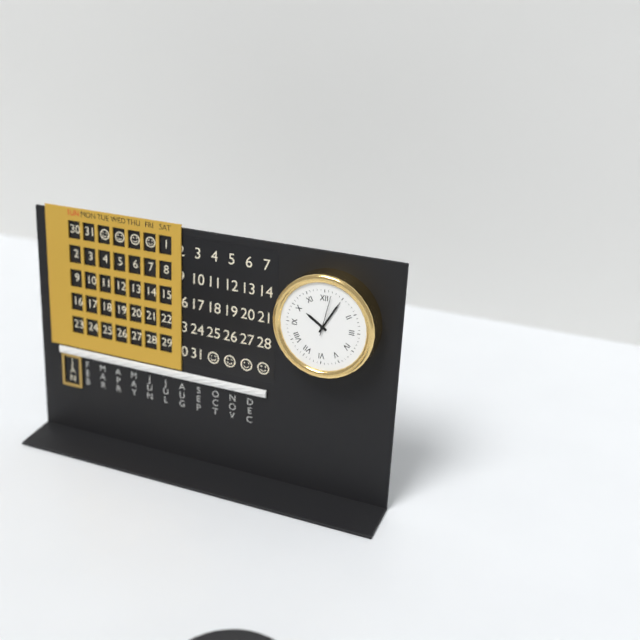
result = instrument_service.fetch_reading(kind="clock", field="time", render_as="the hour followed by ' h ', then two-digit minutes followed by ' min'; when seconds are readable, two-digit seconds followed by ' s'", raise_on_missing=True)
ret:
10 h 05 min
